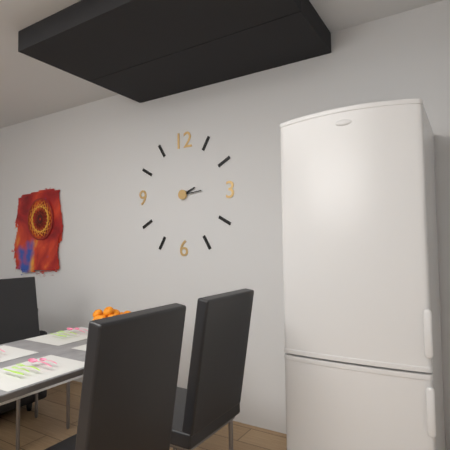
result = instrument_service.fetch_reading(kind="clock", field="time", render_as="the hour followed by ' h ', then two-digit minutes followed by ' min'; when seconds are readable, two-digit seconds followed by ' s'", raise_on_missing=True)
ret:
2 h 14 min
